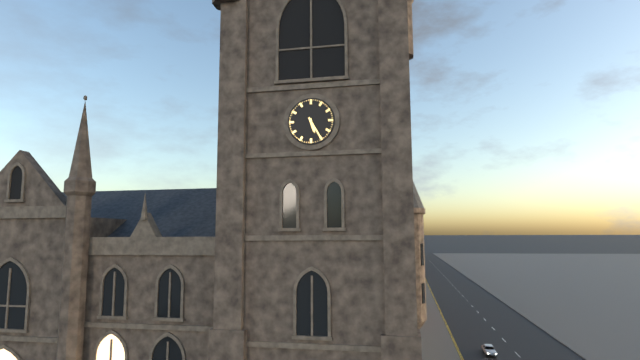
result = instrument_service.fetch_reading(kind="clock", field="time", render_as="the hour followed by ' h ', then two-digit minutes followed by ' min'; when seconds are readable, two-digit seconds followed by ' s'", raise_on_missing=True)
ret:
5 h 25 min
